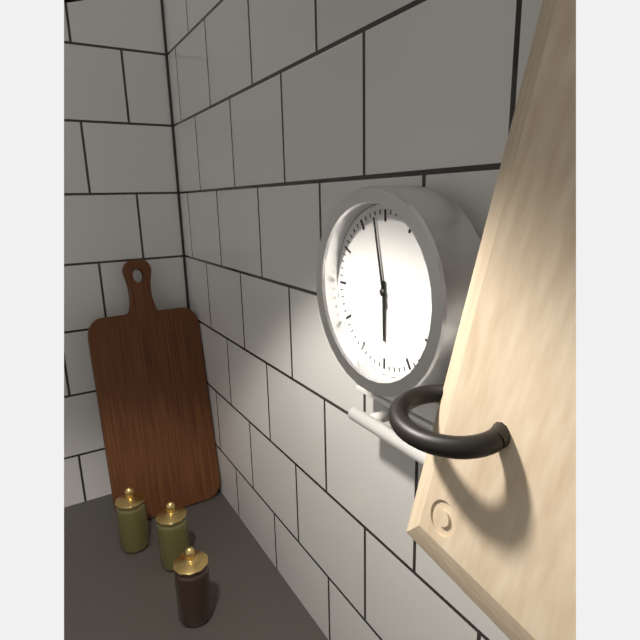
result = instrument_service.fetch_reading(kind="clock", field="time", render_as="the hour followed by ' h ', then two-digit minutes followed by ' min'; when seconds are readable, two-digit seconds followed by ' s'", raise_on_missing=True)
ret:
5 h 58 min
